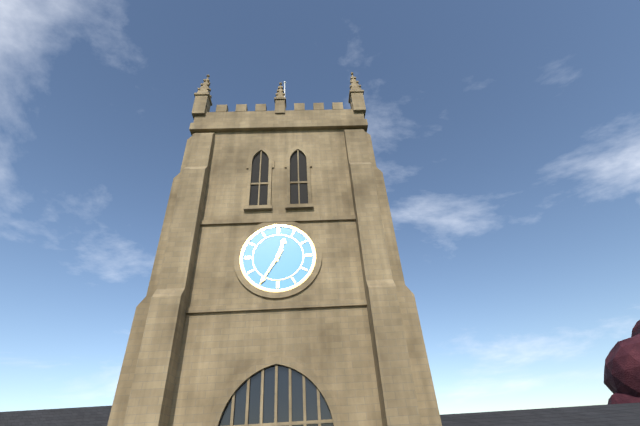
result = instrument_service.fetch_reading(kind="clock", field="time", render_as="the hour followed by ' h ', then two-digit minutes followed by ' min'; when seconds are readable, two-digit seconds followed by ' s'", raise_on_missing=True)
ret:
12 h 35 min
